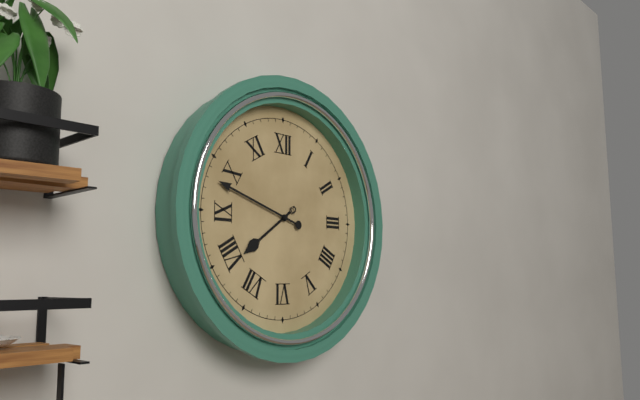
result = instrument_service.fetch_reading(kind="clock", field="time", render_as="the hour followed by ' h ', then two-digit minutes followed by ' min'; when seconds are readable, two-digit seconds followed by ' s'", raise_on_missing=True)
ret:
7 h 48 min
